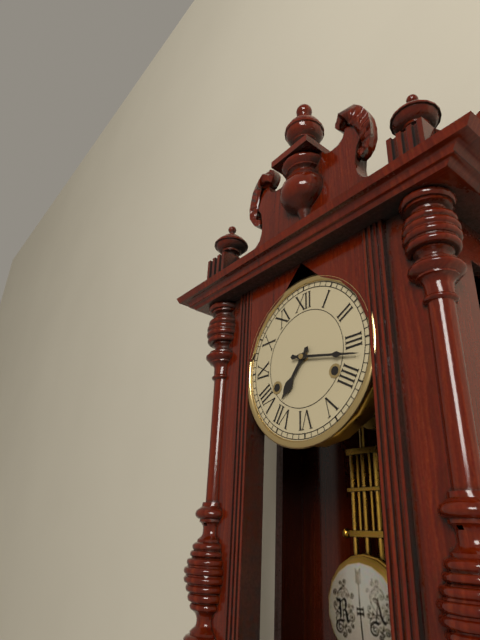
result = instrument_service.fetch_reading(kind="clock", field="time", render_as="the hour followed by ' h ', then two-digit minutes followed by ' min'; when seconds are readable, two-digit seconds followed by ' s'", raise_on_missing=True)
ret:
7 h 17 min
